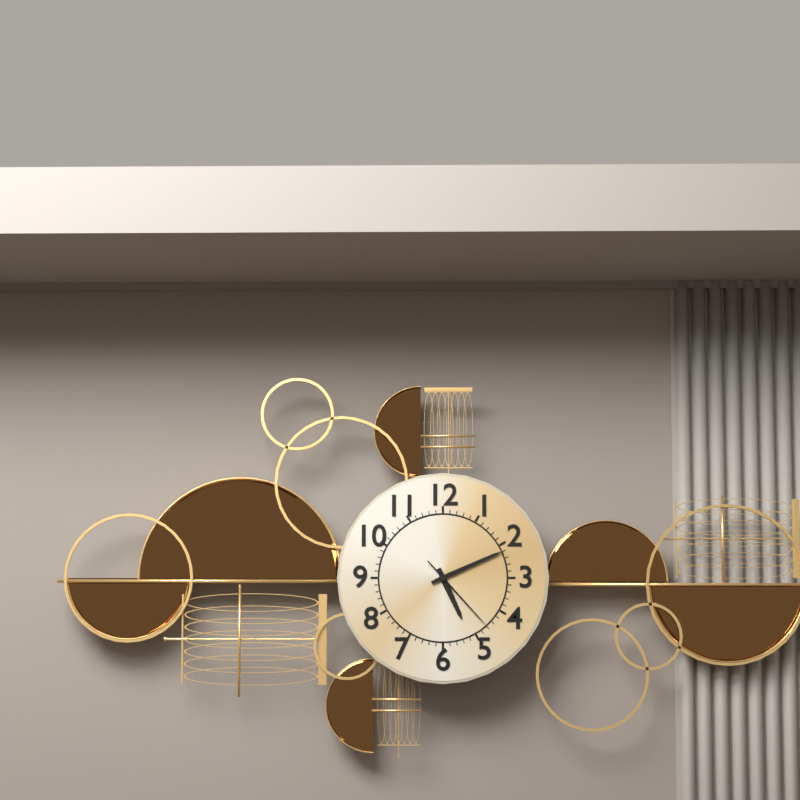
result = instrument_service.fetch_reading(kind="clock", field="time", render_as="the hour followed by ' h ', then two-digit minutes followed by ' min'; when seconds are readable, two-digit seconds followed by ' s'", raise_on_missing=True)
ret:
5 h 11 min 23 s
